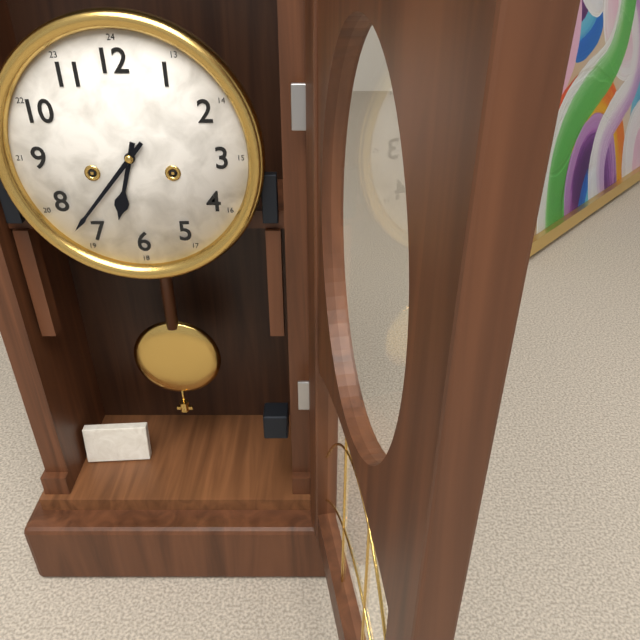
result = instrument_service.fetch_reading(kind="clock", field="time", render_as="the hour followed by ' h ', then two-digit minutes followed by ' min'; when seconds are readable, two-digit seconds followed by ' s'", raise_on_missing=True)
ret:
6 h 37 min
